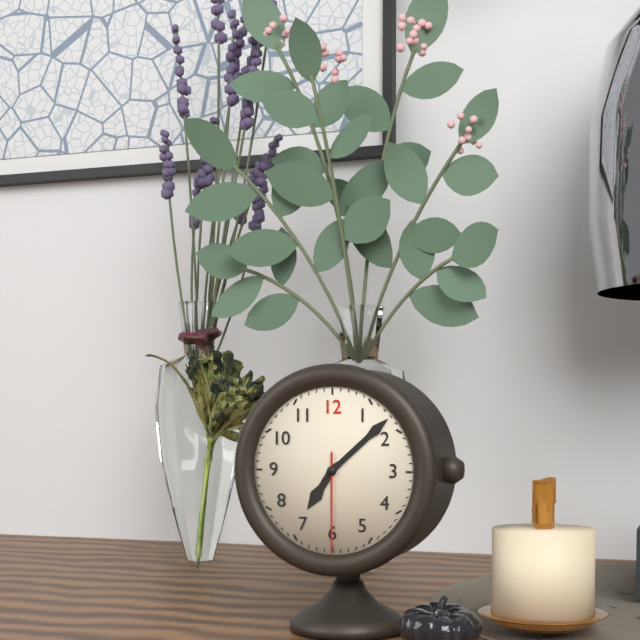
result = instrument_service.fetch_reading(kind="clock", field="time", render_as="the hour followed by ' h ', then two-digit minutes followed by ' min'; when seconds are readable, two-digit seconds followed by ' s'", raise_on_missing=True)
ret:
7 h 08 min 30 s
